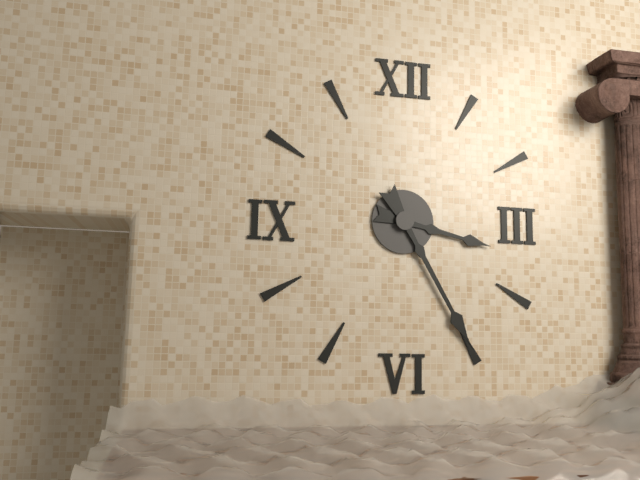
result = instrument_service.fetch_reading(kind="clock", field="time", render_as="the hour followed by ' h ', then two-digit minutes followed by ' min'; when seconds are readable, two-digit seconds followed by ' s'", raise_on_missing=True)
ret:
3 h 25 min
